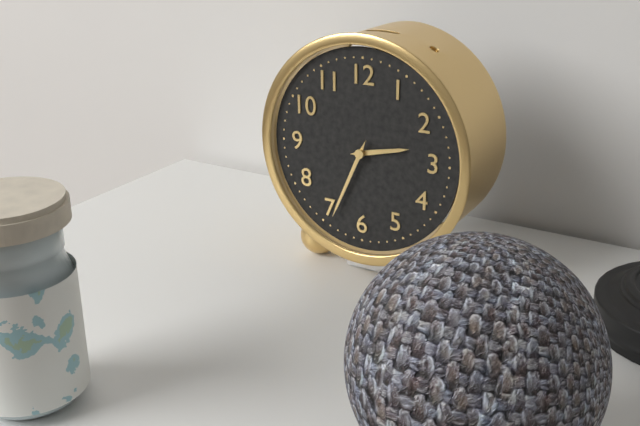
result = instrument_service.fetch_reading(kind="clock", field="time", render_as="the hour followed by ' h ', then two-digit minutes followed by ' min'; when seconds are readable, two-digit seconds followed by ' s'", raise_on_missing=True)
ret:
2 h 34 min
